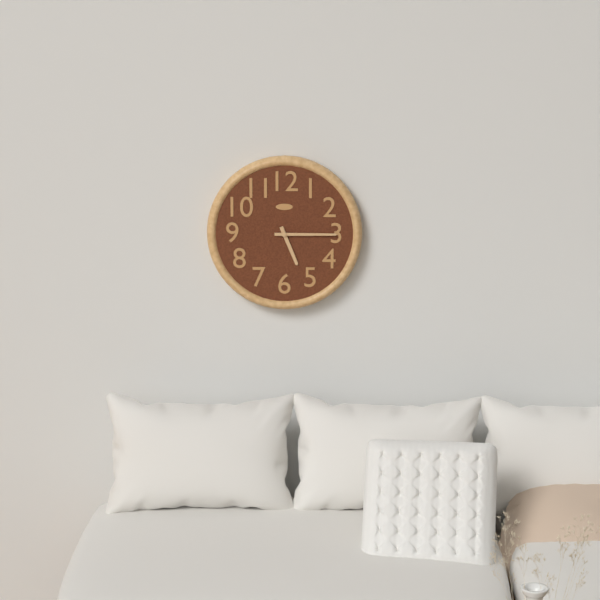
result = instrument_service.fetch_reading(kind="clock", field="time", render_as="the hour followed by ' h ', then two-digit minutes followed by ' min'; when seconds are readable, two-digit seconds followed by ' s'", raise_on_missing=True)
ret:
5 h 15 min
